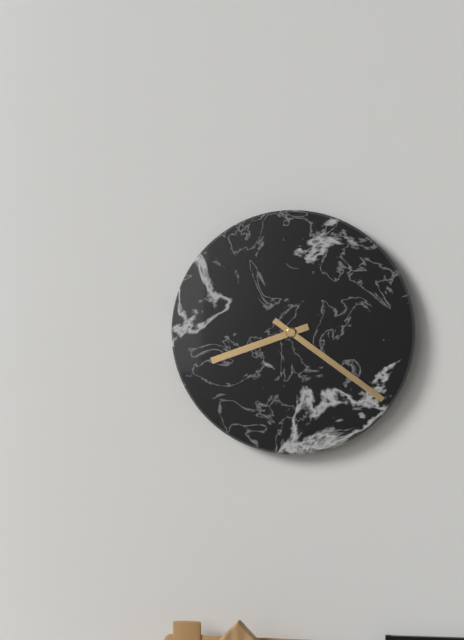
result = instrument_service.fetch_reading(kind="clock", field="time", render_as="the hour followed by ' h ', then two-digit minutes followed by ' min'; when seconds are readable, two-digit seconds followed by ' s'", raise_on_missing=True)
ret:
8 h 21 min
